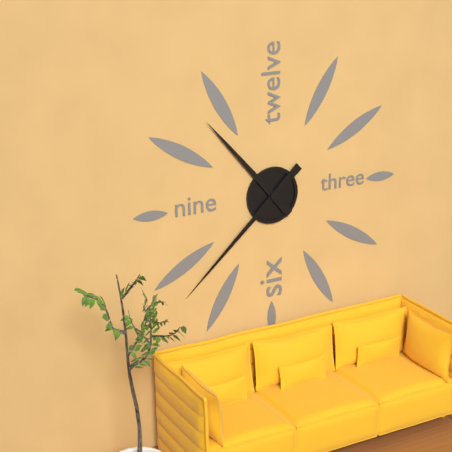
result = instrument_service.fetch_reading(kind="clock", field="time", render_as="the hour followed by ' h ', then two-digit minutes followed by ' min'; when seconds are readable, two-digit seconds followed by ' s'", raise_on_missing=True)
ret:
10 h 38 min
